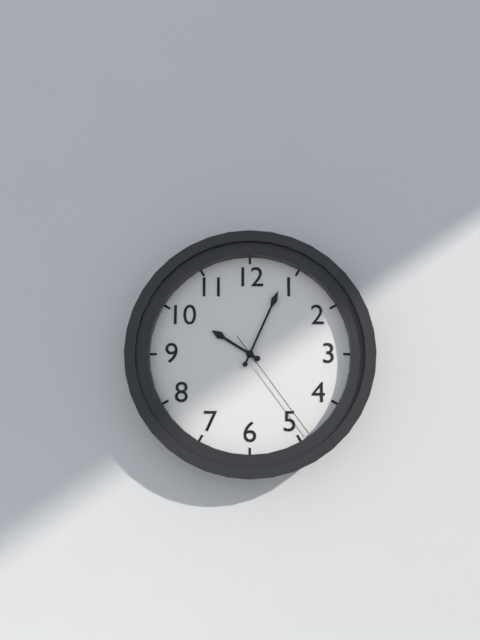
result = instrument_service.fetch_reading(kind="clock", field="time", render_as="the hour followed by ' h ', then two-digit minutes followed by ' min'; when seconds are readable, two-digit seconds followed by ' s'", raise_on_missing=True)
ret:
10 h 04 min 24 s
